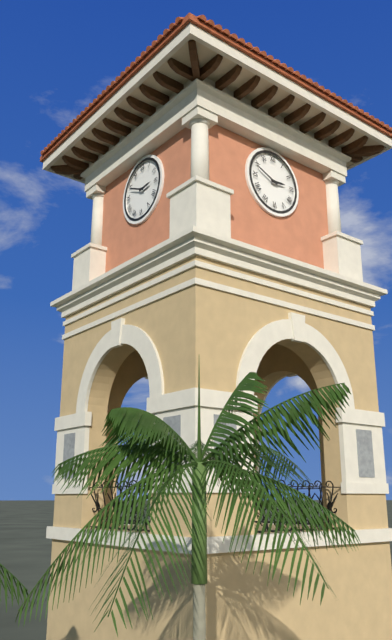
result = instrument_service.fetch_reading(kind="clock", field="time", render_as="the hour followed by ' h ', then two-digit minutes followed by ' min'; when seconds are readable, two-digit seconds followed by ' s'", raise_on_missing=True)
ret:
2 h 49 min
